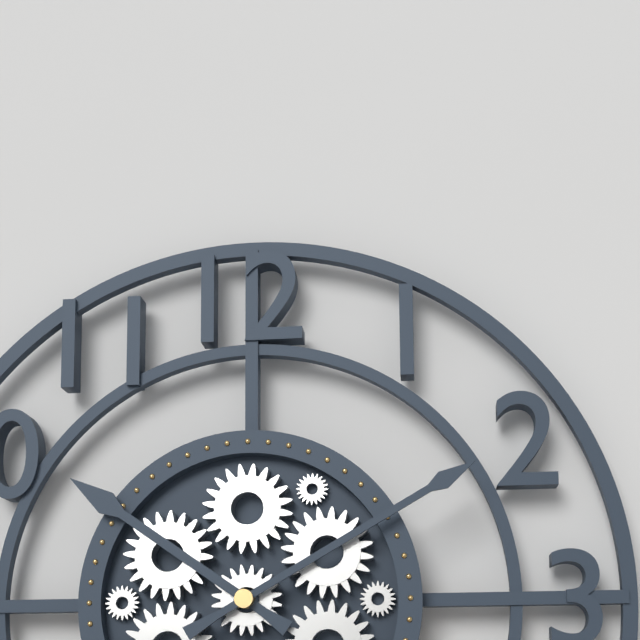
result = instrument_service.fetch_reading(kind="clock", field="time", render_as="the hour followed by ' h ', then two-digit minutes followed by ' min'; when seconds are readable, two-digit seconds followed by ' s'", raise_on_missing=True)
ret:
10 h 10 min
